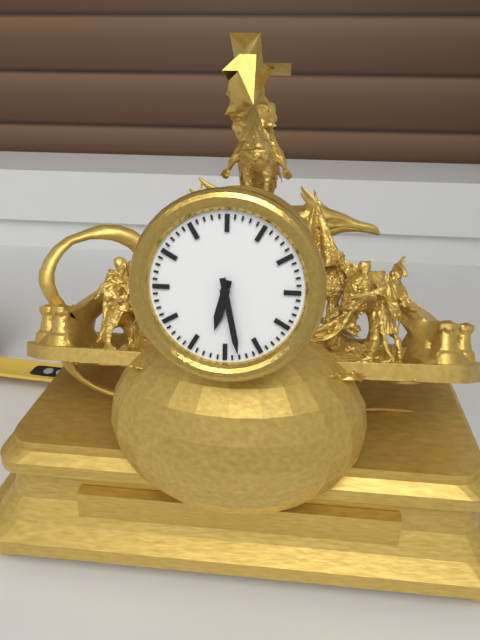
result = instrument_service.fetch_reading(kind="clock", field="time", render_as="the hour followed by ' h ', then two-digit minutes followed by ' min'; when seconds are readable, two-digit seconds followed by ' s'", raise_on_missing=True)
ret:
6 h 28 min
